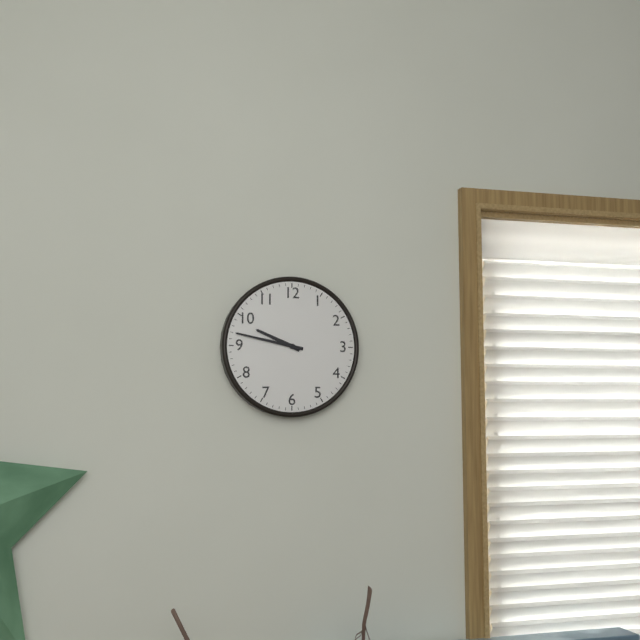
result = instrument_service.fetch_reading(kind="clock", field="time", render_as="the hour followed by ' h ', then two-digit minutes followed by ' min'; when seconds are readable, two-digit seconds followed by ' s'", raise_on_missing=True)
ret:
9 h 47 min
